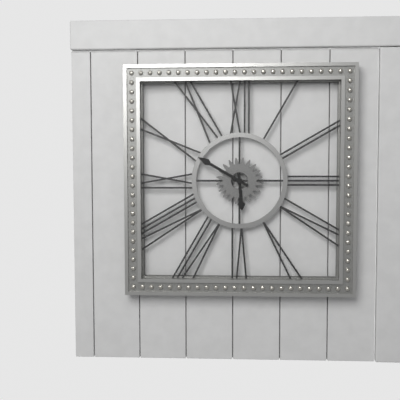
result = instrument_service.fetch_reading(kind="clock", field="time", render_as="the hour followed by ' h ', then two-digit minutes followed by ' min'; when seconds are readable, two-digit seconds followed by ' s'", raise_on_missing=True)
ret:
5 h 50 min
